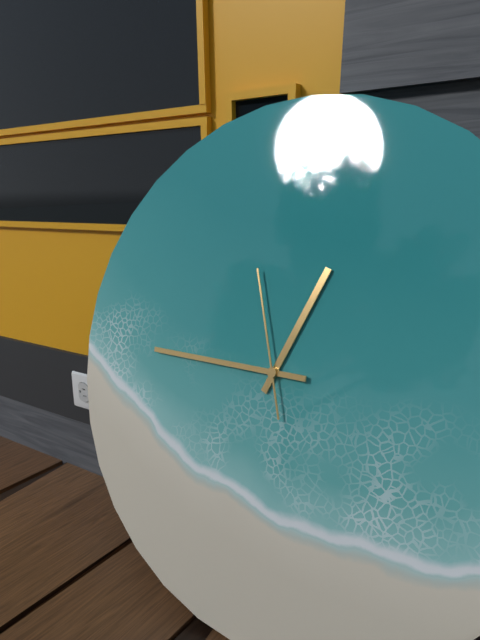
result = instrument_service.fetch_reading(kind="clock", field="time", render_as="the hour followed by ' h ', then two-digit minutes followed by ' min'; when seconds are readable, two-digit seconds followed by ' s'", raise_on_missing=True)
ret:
12 h 45 min 57 s
